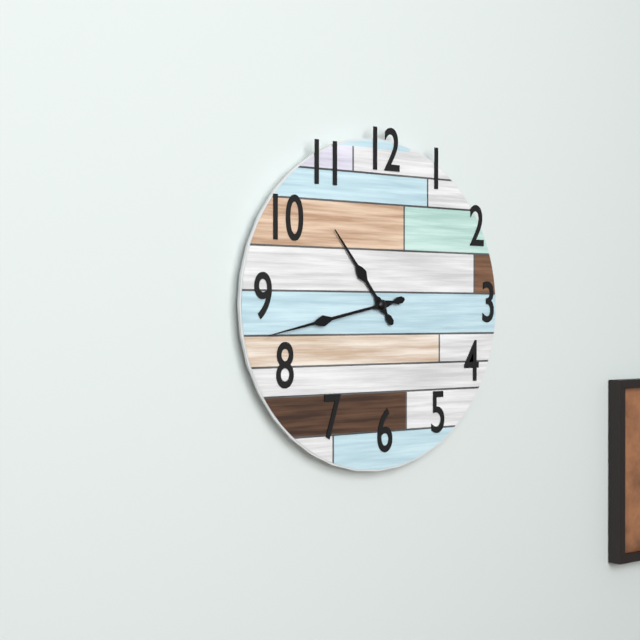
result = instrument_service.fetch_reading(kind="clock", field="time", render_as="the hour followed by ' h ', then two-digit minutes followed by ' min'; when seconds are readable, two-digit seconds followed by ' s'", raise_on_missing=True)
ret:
10 h 43 min
